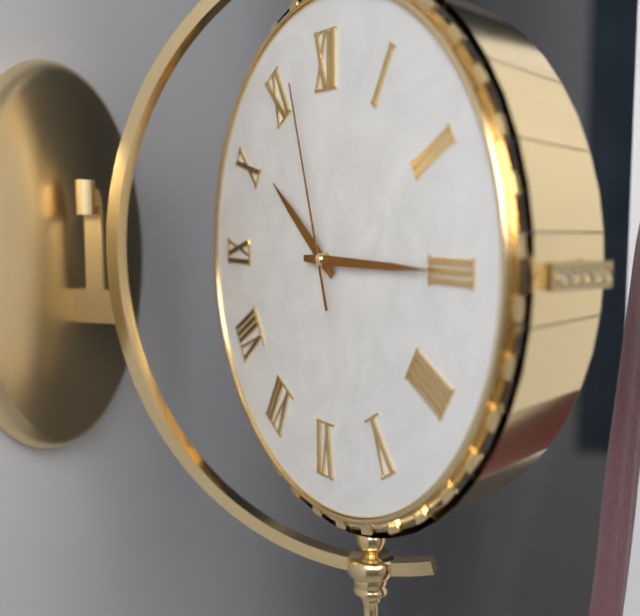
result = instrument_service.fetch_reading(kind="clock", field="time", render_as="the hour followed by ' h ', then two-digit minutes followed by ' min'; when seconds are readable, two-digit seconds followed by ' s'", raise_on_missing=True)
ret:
10 h 15 min 57 s
